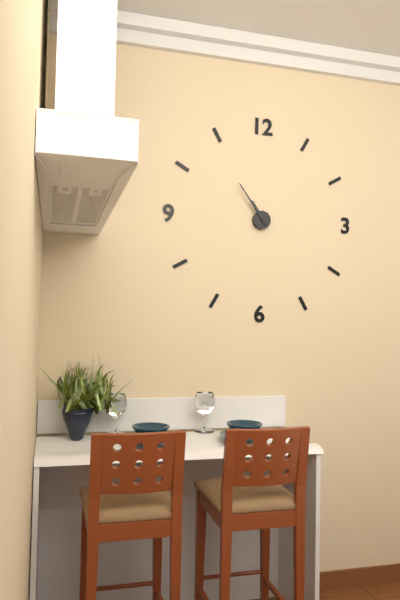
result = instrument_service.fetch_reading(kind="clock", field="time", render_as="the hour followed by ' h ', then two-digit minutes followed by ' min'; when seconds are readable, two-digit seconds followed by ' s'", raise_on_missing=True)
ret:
10 h 54 min
